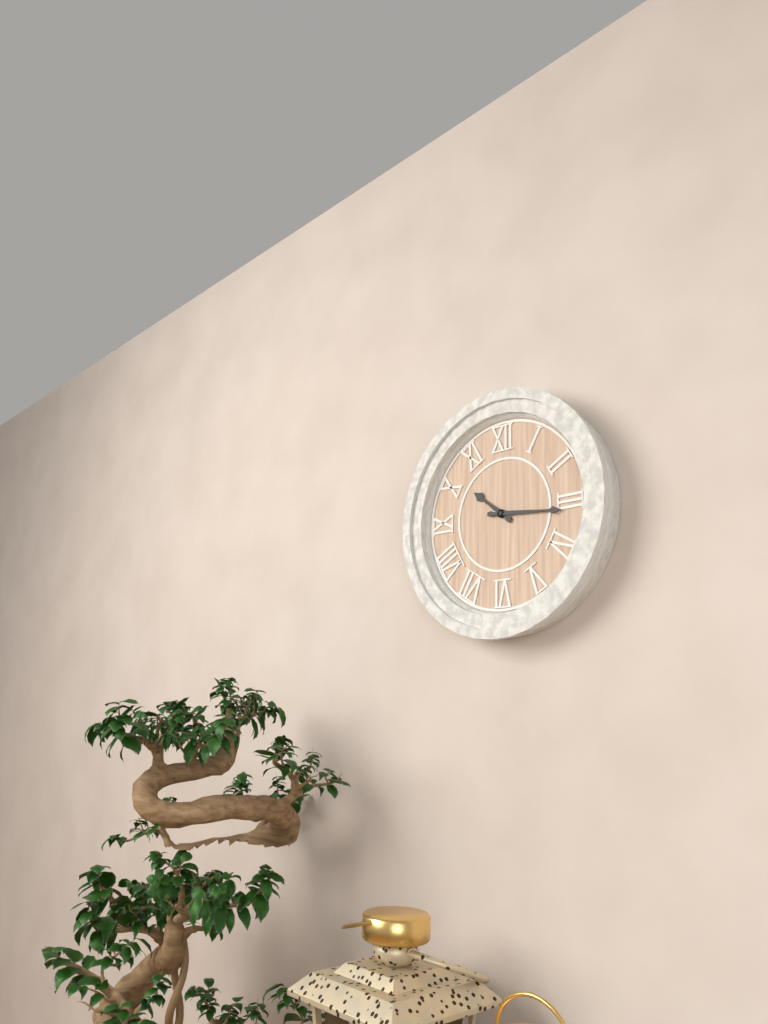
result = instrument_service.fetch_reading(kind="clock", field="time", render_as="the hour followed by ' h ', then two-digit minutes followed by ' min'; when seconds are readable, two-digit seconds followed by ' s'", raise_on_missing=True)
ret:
10 h 16 min
